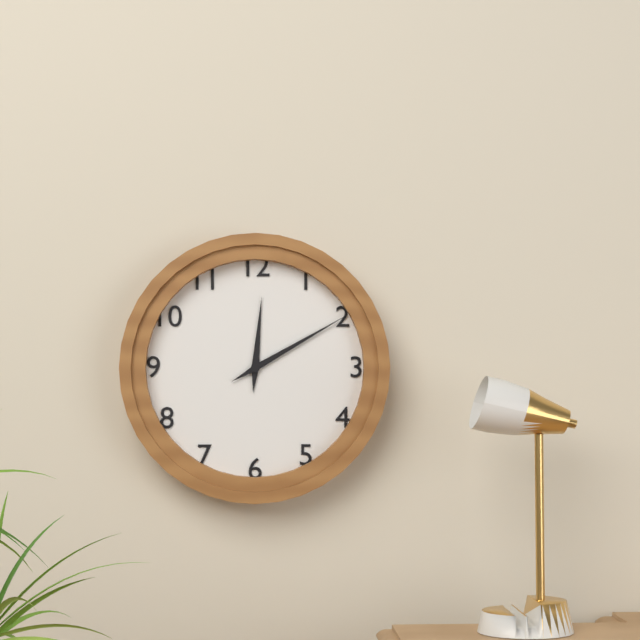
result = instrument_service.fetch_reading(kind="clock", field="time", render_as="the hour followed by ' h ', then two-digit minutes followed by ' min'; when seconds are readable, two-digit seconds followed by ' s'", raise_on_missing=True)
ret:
12 h 10 min
